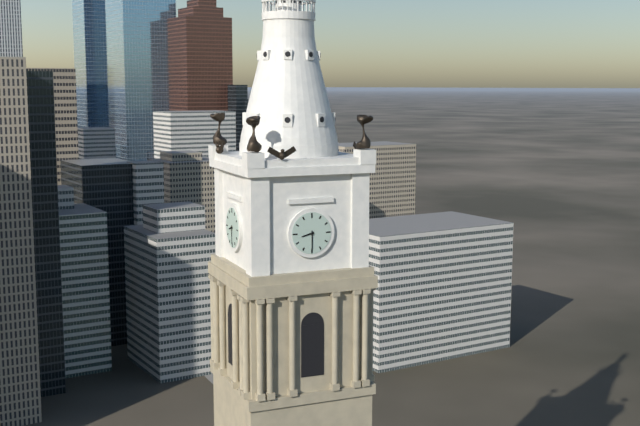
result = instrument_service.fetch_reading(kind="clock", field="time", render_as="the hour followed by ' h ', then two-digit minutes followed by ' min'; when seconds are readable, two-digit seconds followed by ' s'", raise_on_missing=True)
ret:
8 h 30 min
